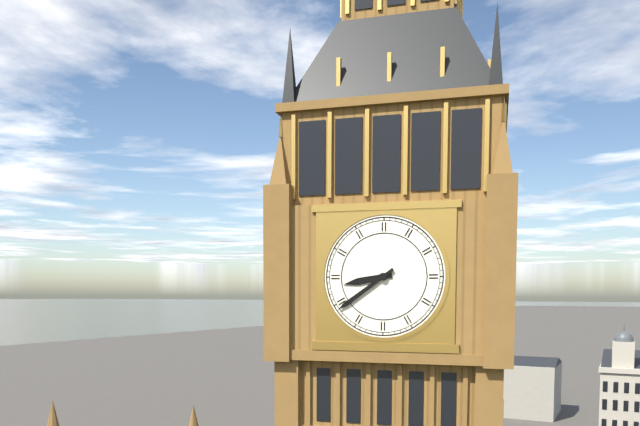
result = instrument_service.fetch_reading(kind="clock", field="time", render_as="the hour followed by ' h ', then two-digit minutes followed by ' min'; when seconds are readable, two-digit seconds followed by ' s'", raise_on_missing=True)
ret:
8 h 39 min
